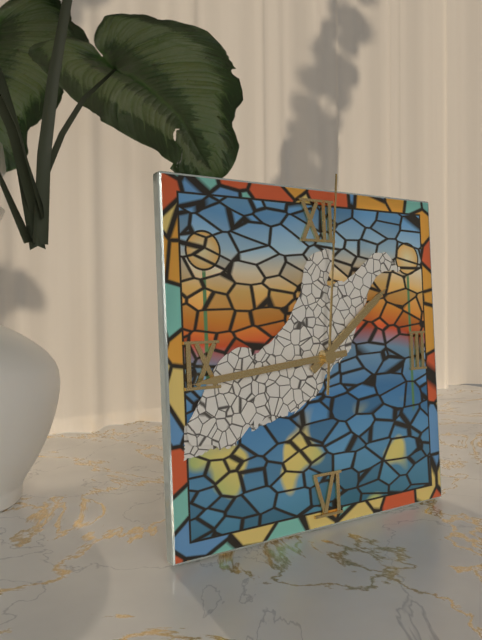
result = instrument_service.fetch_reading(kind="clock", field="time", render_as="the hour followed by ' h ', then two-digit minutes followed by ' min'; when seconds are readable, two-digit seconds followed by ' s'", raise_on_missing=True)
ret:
1 h 44 min 01 s
